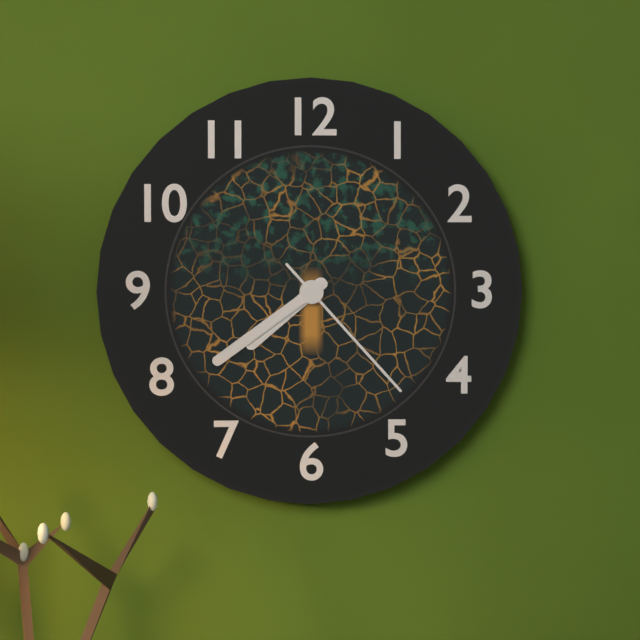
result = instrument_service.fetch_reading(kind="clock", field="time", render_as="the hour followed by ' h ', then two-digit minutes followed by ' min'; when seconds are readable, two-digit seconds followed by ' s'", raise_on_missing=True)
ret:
7 h 39 min 23 s
